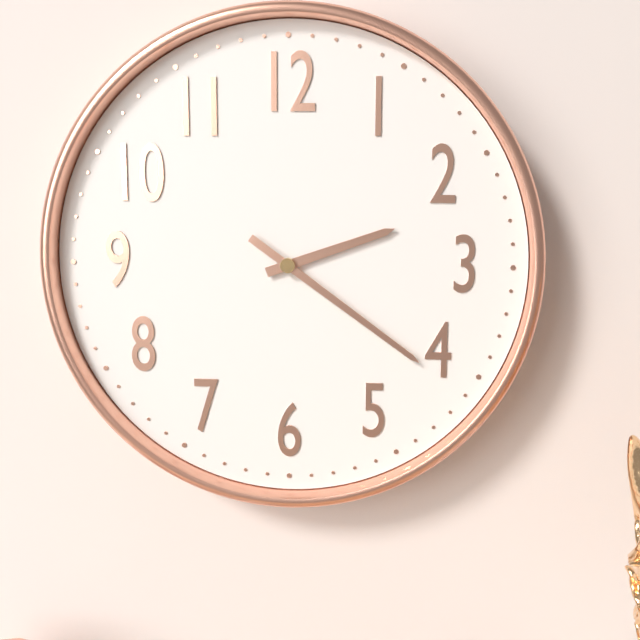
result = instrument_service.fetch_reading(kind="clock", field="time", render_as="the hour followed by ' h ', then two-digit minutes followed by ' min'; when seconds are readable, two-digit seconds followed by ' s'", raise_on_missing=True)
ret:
2 h 21 min
